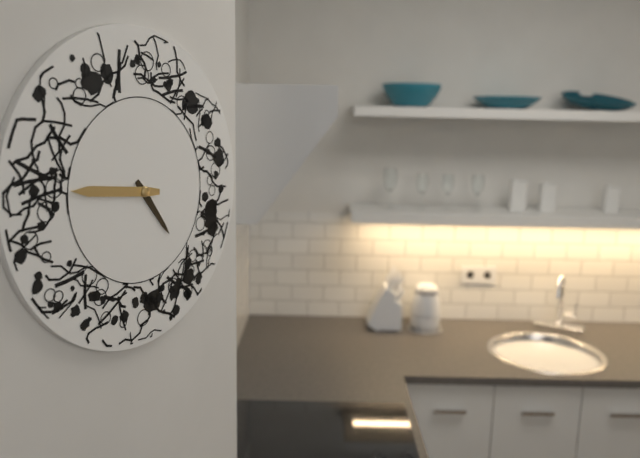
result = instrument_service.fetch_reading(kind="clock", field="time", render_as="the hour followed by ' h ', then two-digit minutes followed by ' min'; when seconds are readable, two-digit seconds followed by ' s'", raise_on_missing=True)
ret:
4 h 46 min
